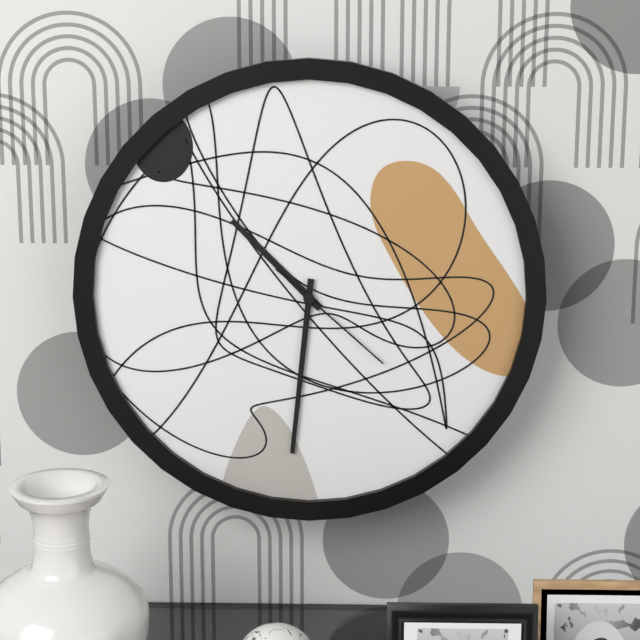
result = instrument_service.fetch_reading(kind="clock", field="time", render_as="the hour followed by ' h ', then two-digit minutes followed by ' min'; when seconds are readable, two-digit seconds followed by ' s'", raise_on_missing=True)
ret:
10 h 31 min 22 s
